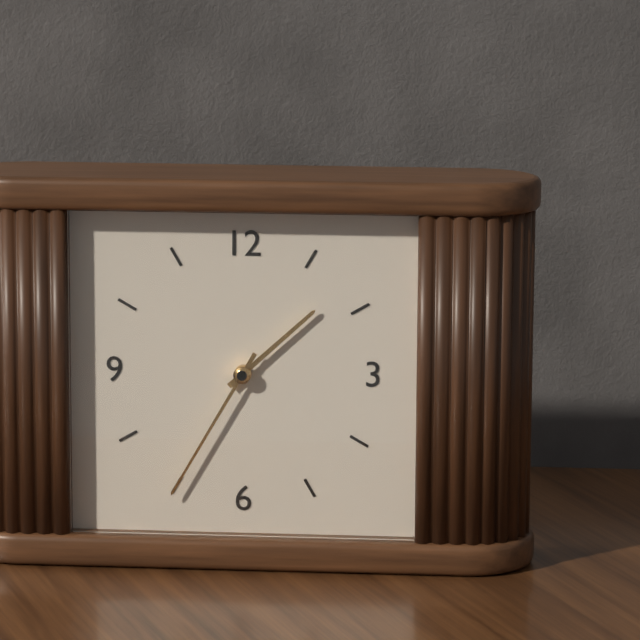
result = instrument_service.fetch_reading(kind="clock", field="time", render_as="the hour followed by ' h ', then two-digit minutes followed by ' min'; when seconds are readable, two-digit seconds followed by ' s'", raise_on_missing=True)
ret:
1 h 35 min
